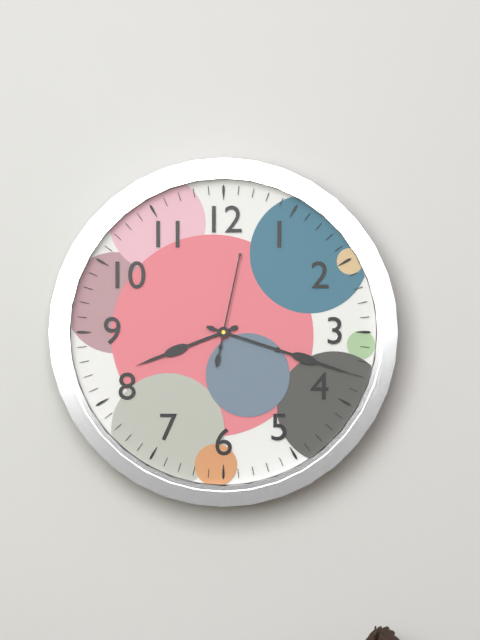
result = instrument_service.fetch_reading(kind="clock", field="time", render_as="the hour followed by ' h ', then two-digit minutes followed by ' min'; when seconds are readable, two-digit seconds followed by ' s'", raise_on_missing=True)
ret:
8 h 18 min 02 s
